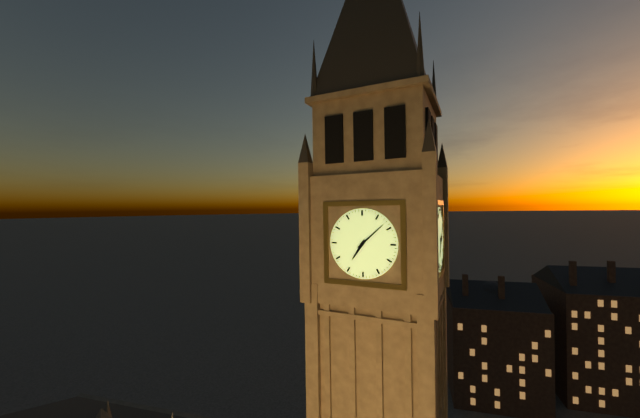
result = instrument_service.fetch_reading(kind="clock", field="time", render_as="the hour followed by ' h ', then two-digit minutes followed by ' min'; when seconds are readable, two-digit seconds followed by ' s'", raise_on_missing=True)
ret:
7 h 08 min
